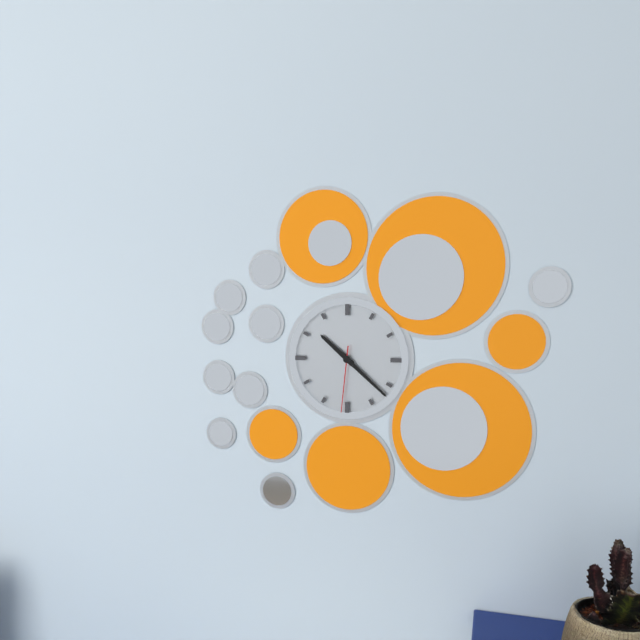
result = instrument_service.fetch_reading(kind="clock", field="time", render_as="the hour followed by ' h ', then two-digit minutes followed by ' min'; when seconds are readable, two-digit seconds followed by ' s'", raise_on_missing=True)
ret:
10 h 22 min 31 s
